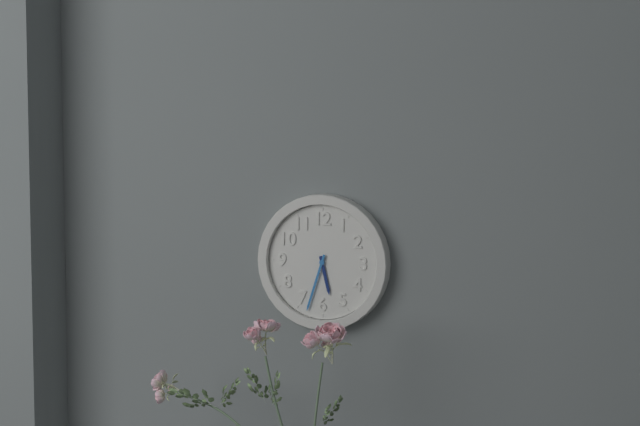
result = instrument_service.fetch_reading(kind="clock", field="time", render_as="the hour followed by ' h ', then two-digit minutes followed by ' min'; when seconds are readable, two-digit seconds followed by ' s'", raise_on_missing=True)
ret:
5 h 33 min
